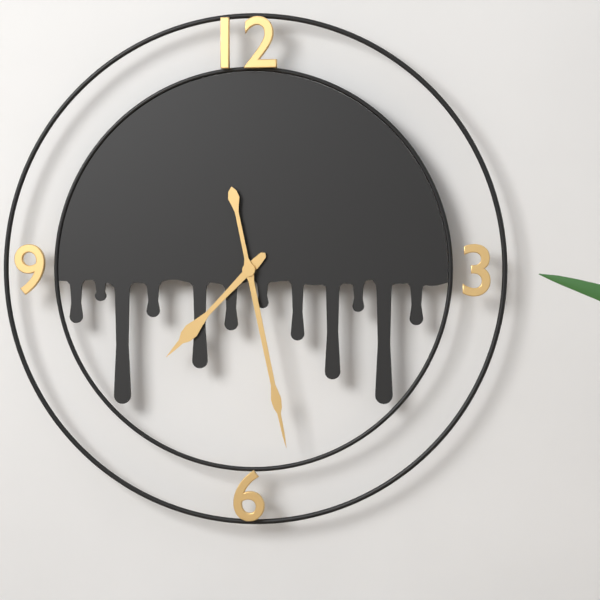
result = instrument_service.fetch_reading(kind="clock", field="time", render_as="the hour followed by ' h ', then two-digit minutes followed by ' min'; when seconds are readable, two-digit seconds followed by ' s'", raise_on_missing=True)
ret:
7 h 28 min
